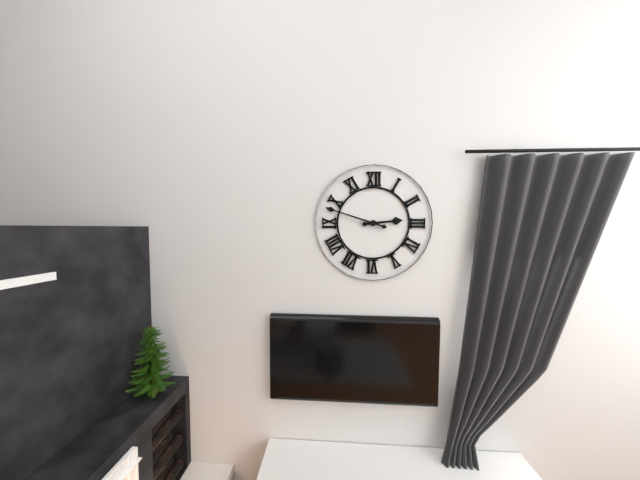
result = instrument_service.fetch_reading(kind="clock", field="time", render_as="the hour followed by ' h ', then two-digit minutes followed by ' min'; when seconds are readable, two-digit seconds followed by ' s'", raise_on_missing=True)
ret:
2 h 48 min
